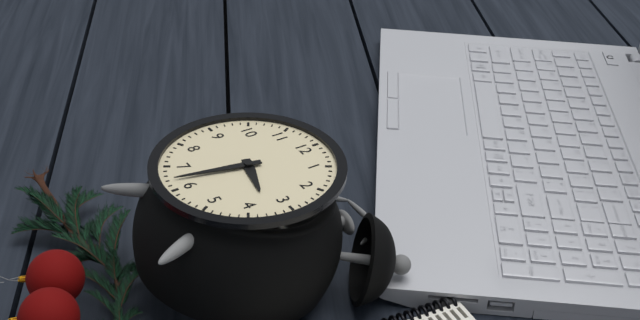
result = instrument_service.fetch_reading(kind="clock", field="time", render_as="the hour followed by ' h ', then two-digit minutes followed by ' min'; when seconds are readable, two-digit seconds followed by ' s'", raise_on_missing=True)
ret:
3 h 32 min
